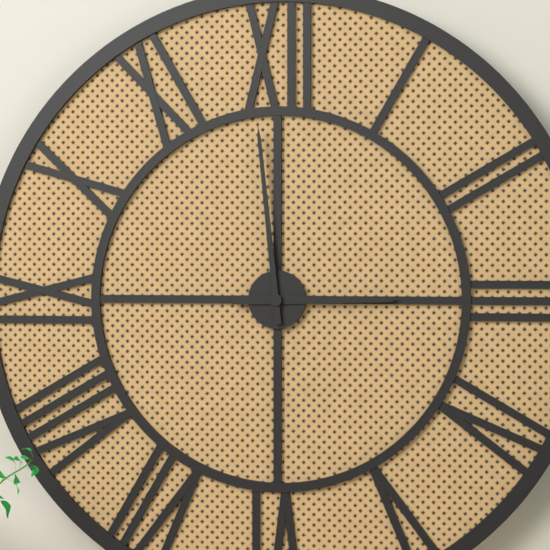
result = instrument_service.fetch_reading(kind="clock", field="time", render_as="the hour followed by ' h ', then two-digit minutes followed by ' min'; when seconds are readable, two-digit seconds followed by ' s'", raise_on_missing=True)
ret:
2 h 59 min
